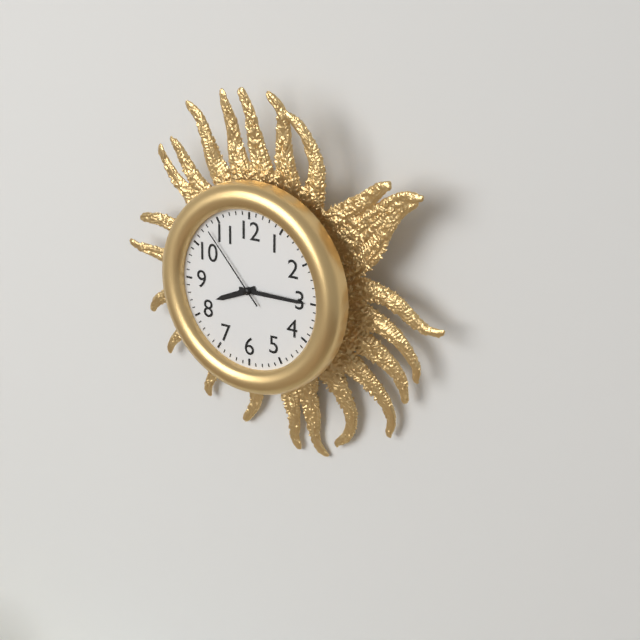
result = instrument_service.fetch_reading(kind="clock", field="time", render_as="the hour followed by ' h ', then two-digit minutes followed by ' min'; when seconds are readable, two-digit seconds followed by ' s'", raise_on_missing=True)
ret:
8 h 15 min 53 s
